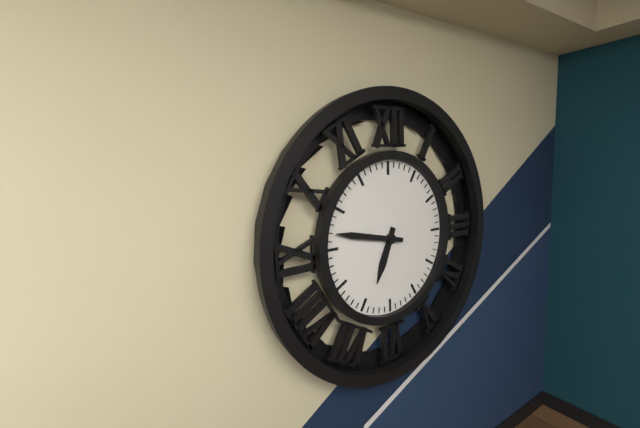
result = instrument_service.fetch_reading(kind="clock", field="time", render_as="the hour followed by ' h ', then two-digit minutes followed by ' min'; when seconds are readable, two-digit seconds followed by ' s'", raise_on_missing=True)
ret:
6 h 47 min
